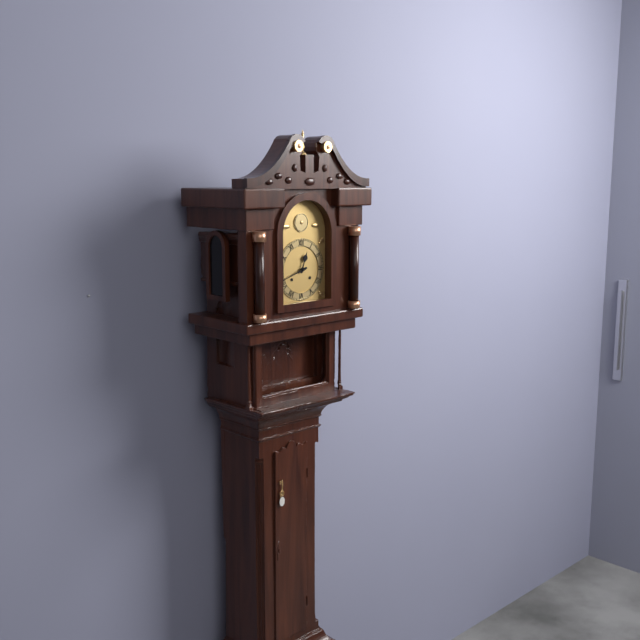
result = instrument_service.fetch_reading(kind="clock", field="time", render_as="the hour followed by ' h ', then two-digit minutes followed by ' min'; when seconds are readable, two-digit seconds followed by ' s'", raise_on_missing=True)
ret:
12 h 42 min
